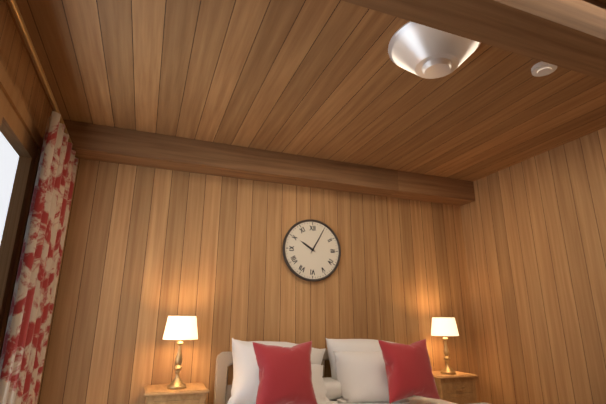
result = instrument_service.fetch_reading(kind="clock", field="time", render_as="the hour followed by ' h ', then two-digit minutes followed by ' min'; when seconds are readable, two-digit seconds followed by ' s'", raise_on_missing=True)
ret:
10 h 05 min
